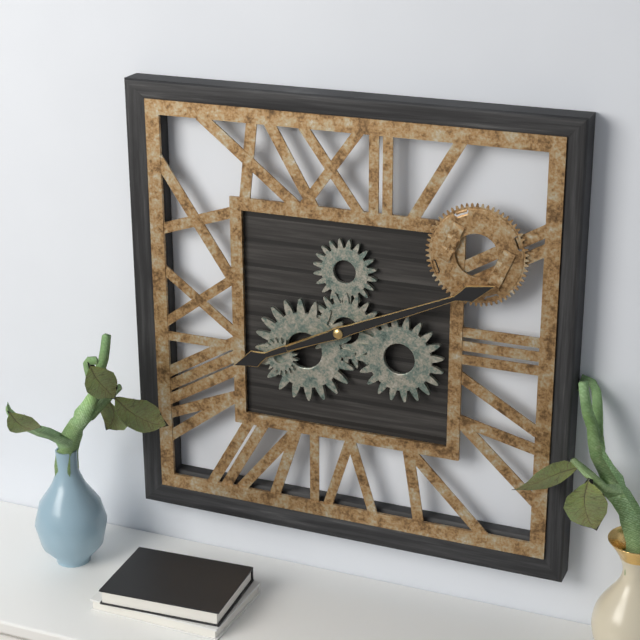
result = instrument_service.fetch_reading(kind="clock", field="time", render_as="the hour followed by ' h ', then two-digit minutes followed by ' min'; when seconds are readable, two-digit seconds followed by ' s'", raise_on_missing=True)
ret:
8 h 11 min
